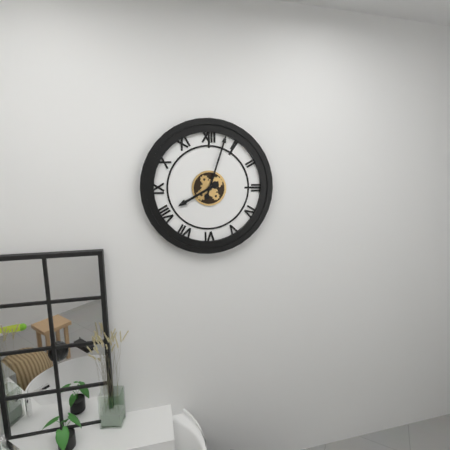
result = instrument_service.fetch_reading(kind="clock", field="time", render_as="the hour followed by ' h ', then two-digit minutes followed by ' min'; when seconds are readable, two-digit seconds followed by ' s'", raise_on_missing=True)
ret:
8 h 03 min
